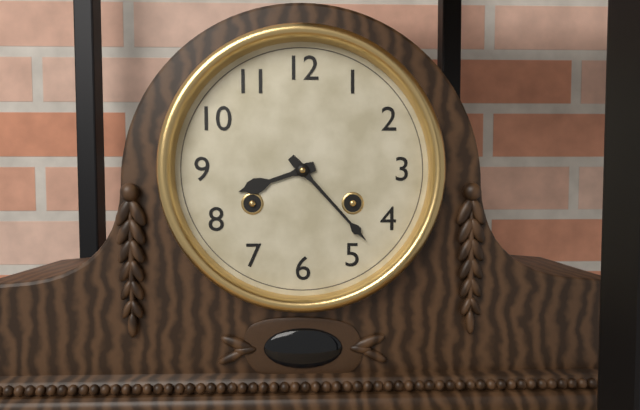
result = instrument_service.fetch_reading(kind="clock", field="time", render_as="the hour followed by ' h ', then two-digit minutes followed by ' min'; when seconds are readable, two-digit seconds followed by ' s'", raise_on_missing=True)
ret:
8 h 23 min
